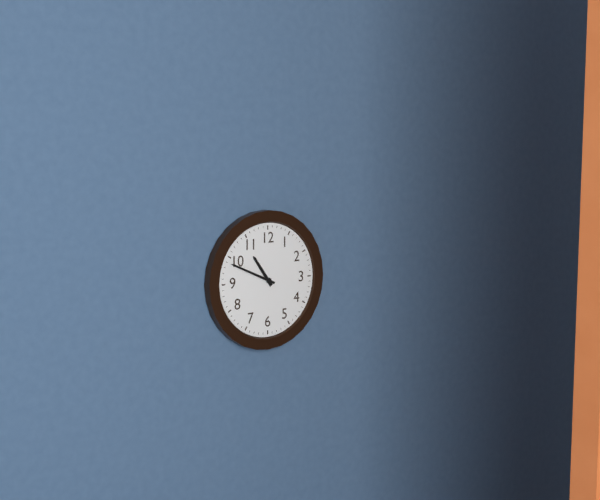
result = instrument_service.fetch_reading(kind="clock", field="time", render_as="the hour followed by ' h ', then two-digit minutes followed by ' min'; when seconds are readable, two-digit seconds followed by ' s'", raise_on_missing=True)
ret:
10 h 49 min
